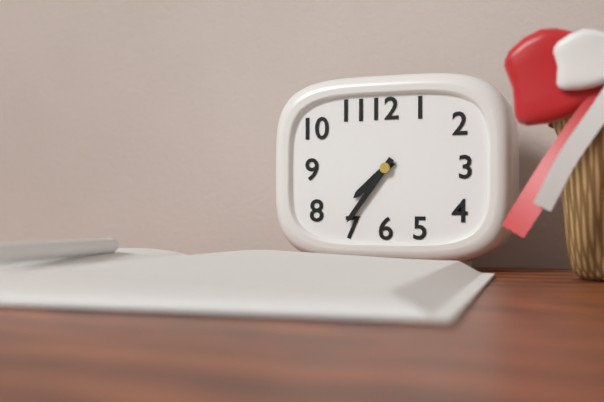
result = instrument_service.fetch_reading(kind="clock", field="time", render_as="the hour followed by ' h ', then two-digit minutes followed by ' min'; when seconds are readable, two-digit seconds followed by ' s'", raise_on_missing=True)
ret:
7 h 36 min
